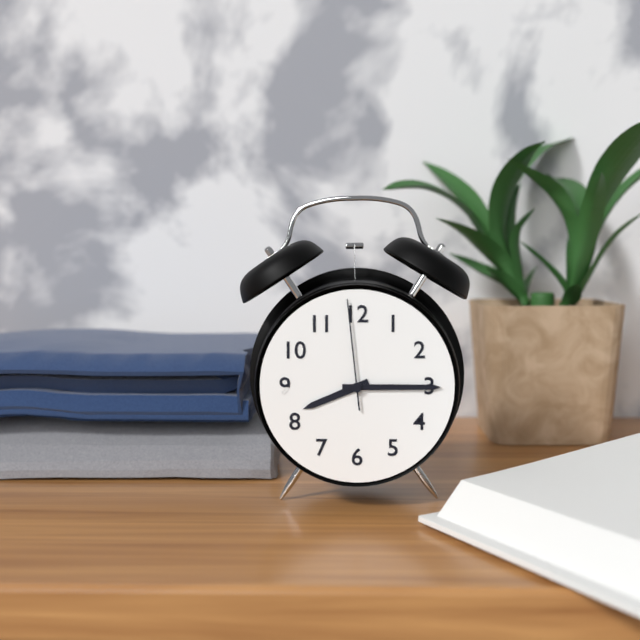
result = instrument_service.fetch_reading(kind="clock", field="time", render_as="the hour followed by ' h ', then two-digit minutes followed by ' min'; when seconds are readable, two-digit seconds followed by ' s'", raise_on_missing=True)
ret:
8 h 15 min 59 s
